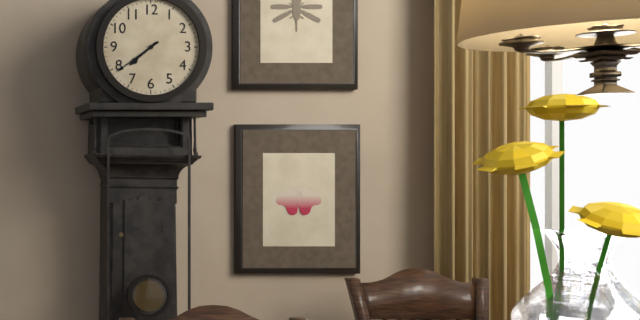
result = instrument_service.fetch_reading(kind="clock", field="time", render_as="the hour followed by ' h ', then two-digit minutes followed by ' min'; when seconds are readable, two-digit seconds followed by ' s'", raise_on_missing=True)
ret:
7 h 39 min
